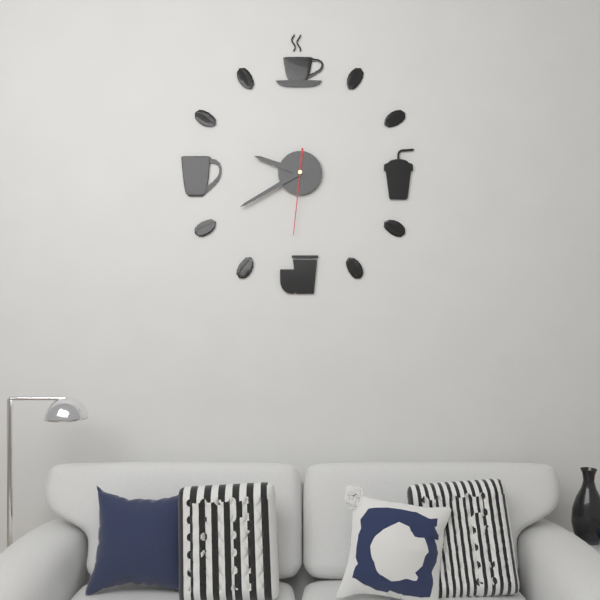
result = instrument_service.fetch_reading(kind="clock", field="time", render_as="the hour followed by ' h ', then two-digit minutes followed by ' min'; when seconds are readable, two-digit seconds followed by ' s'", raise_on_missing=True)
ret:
9 h 40 min 31 s
